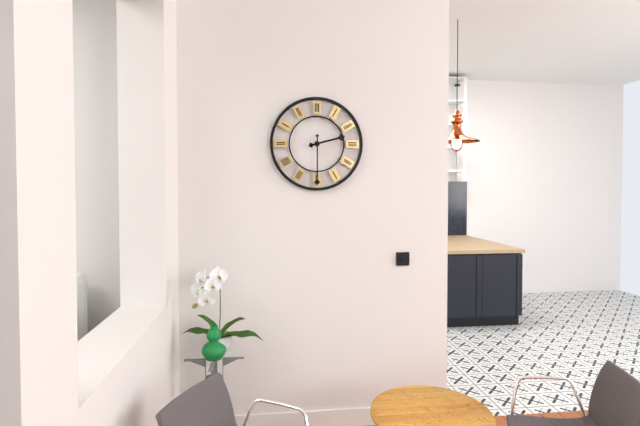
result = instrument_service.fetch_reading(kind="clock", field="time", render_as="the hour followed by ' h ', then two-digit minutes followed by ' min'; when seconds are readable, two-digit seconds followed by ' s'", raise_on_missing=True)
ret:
2 h 30 min
